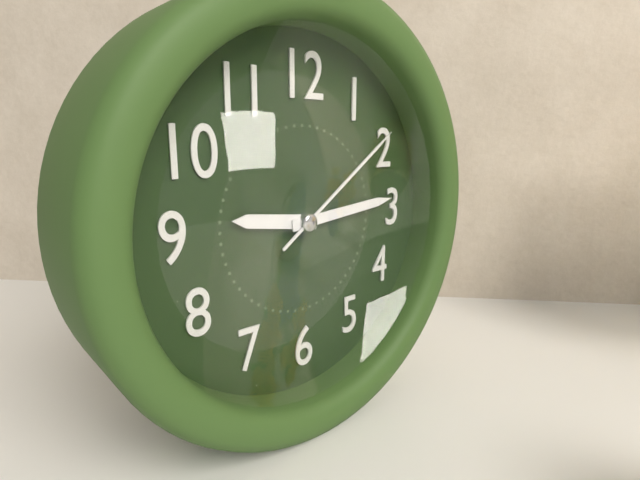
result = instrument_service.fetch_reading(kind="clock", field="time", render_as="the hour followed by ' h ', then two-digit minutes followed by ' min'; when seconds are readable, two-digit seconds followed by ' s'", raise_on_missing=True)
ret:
9 h 14 min 09 s
